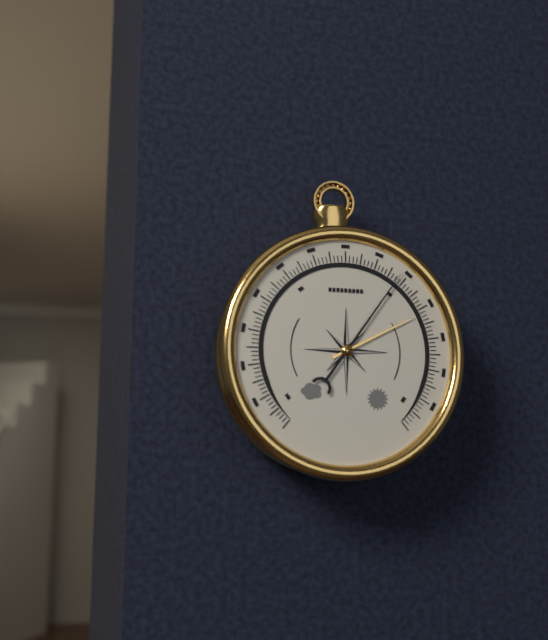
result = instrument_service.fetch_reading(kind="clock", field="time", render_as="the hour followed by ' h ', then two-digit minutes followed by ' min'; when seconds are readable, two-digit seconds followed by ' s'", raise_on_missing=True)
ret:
2 h 06 min
